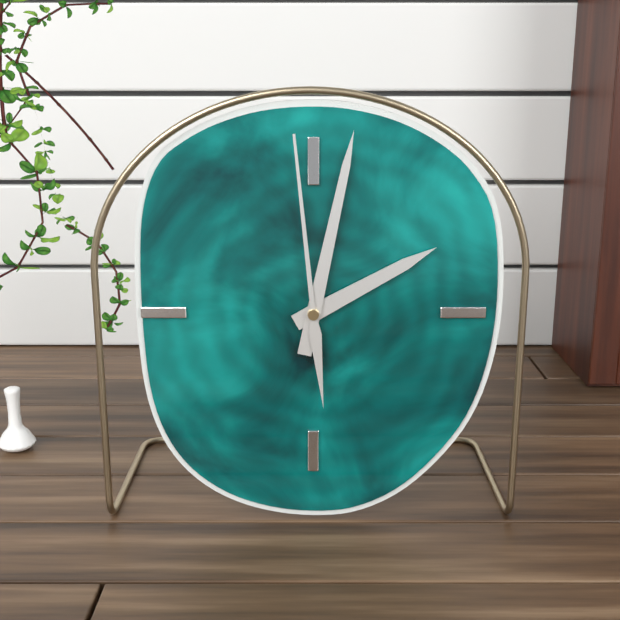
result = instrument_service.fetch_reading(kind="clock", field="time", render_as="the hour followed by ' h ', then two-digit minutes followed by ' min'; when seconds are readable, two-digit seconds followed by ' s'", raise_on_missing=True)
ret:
2 h 02 min 59 s
